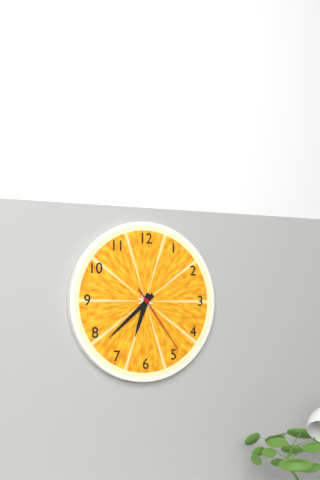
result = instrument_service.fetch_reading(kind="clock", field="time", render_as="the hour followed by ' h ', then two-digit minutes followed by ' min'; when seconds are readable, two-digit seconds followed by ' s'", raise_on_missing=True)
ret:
6 h 38 min 24 s
